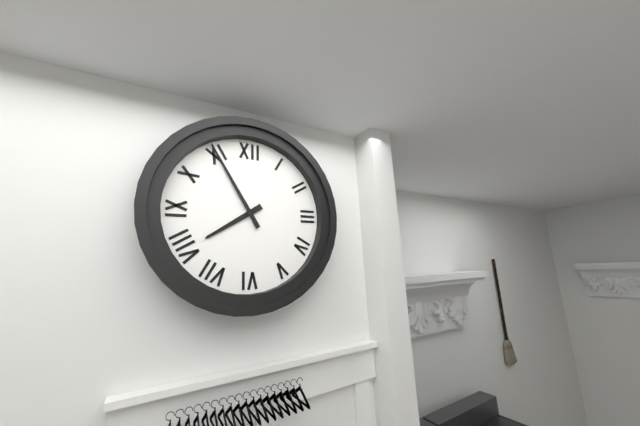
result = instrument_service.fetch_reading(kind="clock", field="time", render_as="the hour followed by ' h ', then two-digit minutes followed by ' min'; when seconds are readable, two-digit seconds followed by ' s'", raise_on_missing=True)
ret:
7 h 55 min
